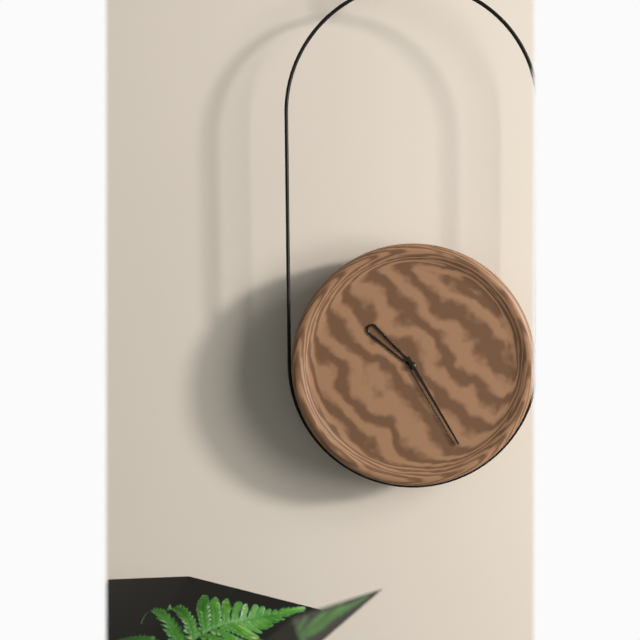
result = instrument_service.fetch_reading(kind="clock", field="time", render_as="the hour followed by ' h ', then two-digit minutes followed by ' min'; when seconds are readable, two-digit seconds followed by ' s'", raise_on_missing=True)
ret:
10 h 25 min
